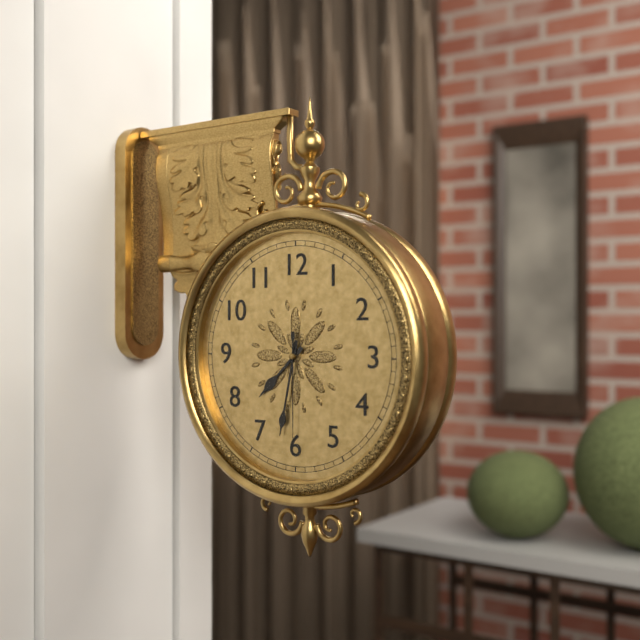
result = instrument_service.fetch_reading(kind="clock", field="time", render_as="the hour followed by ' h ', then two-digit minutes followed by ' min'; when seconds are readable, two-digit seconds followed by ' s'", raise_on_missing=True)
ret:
7 h 32 min 30 s
